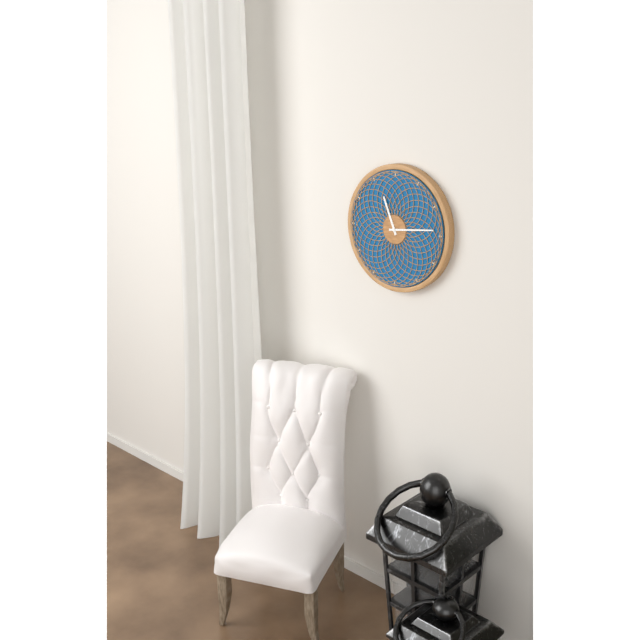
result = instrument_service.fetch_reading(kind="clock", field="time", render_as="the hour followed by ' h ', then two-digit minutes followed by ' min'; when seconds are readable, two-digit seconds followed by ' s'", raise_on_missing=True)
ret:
11 h 14 min
